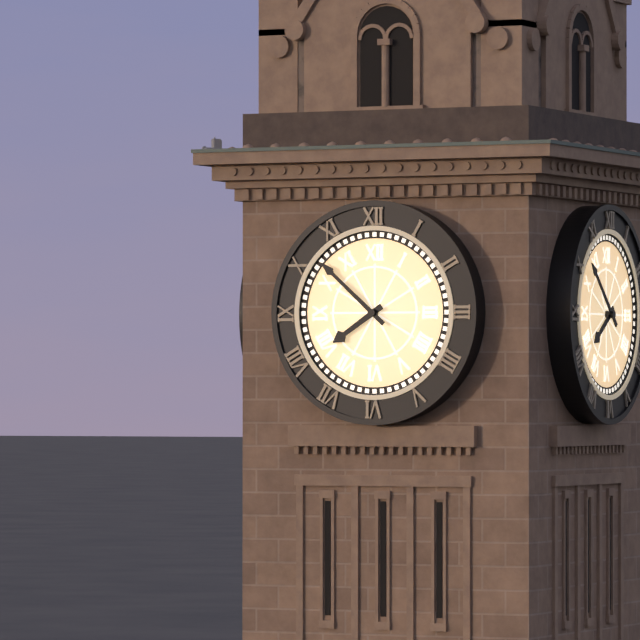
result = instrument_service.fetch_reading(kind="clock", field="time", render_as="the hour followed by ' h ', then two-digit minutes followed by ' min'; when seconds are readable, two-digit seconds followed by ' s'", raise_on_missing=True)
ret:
7 h 52 min
